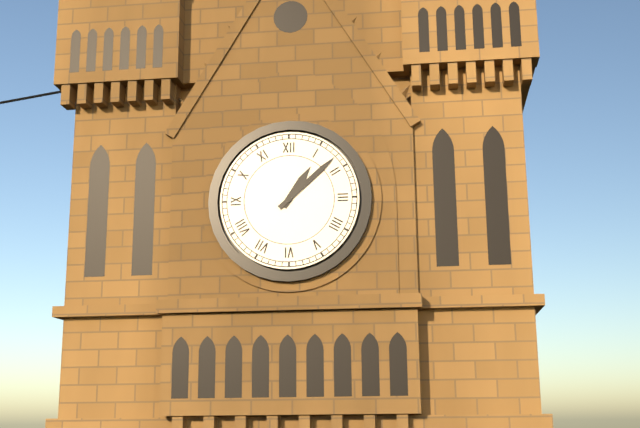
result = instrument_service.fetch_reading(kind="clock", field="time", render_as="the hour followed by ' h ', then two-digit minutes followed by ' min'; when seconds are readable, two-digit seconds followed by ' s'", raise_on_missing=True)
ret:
1 h 08 min
